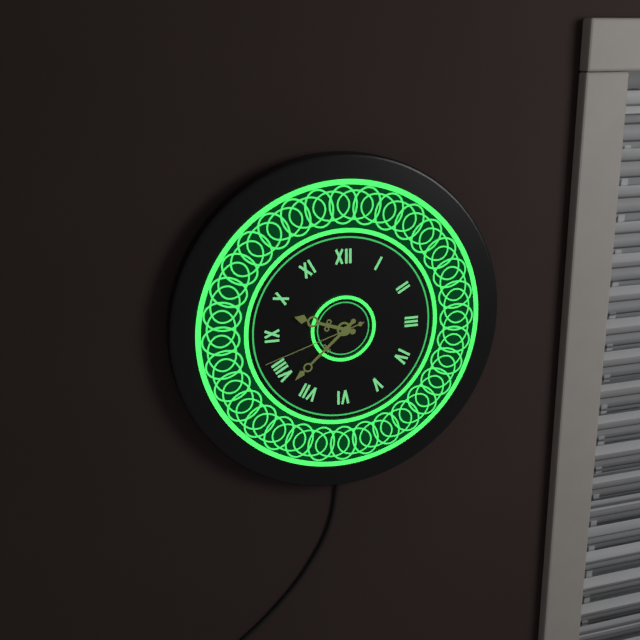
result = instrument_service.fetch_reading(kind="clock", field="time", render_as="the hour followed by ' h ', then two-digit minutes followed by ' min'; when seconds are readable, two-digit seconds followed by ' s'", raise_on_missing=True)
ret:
9 h 38 min 42 s
